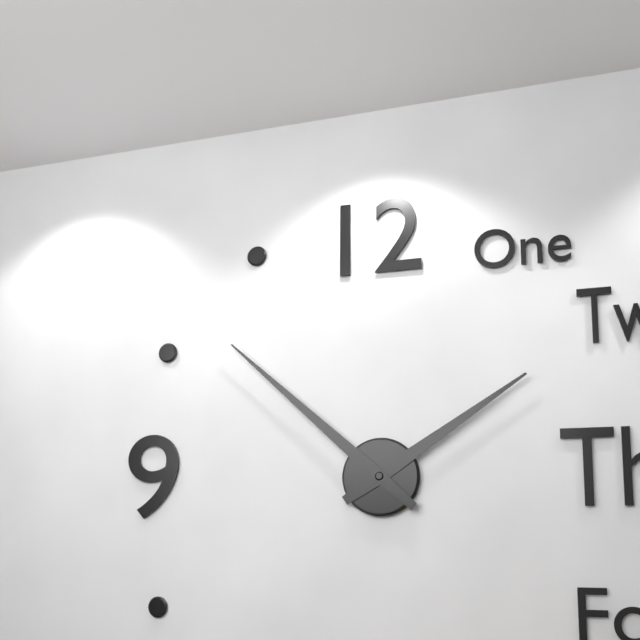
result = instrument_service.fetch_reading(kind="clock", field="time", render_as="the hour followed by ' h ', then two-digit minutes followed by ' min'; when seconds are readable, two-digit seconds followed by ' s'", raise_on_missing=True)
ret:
1 h 52 min
